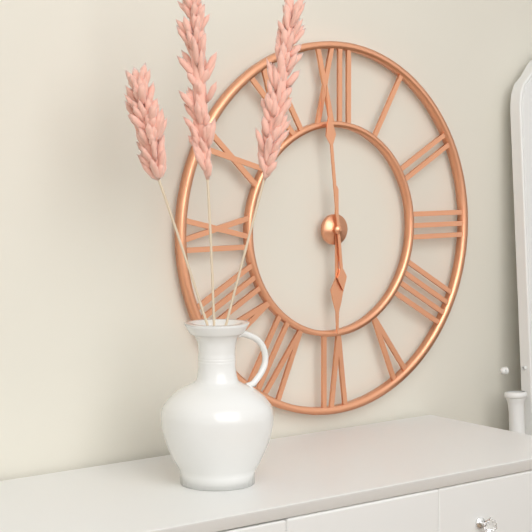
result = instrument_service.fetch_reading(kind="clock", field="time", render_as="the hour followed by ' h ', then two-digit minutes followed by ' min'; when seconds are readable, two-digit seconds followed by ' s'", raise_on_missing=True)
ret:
5 h 59 min
